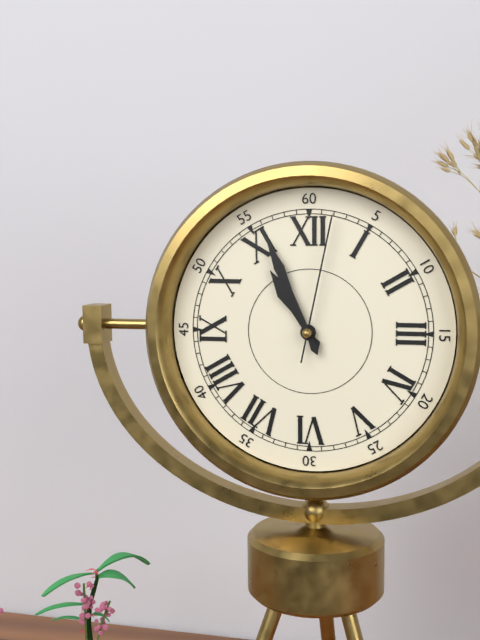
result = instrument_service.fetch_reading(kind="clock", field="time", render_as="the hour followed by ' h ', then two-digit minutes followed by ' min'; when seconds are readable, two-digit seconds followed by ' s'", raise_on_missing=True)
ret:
10 h 56 min 02 s
